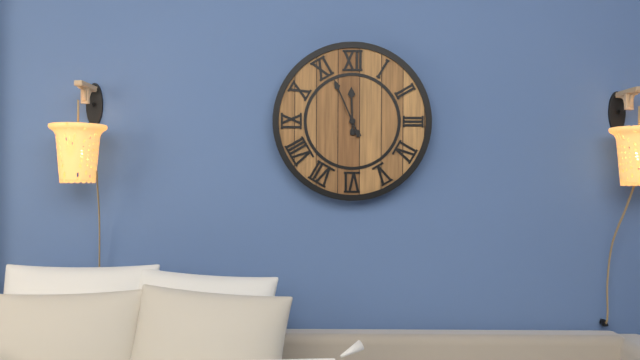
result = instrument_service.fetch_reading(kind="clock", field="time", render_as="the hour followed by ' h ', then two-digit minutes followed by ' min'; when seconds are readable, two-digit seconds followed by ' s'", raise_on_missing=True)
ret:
11 h 56 min
